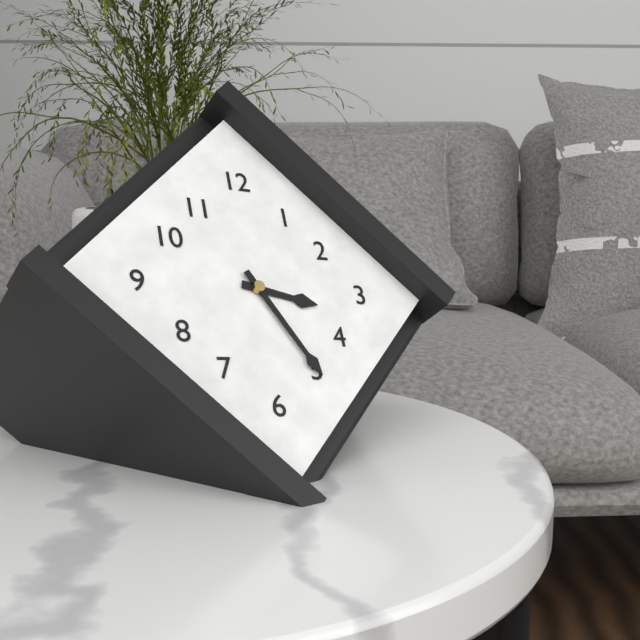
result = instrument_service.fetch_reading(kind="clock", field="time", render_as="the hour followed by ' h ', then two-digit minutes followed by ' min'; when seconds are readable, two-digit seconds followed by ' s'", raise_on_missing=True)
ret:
3 h 25 min
